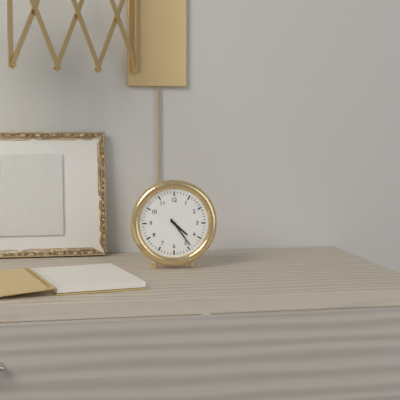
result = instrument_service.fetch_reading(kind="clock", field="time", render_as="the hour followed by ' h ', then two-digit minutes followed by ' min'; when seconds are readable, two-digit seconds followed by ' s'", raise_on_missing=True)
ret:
4 h 24 min
